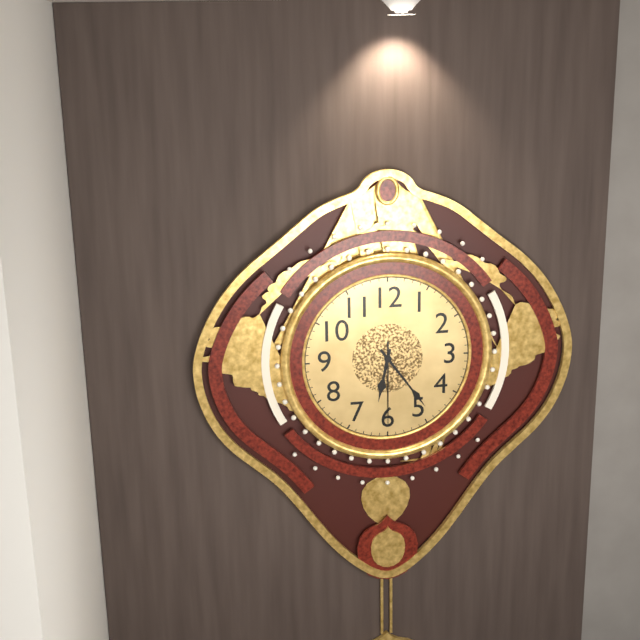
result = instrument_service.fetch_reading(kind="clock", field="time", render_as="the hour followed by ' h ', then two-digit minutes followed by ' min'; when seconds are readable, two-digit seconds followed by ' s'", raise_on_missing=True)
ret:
6 h 24 min 30 s
